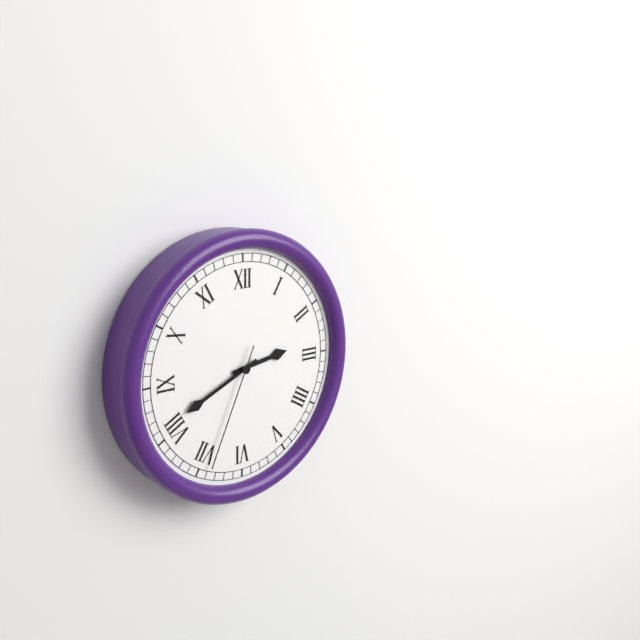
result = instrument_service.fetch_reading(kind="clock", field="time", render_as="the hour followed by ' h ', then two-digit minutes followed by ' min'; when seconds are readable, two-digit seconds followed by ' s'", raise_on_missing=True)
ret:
2 h 41 min 34 s
